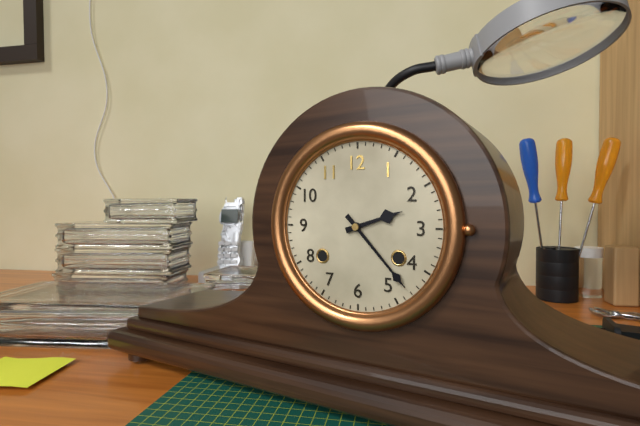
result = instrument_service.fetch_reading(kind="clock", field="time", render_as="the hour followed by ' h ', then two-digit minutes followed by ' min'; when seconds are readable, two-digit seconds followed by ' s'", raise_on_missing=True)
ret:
2 h 23 min
